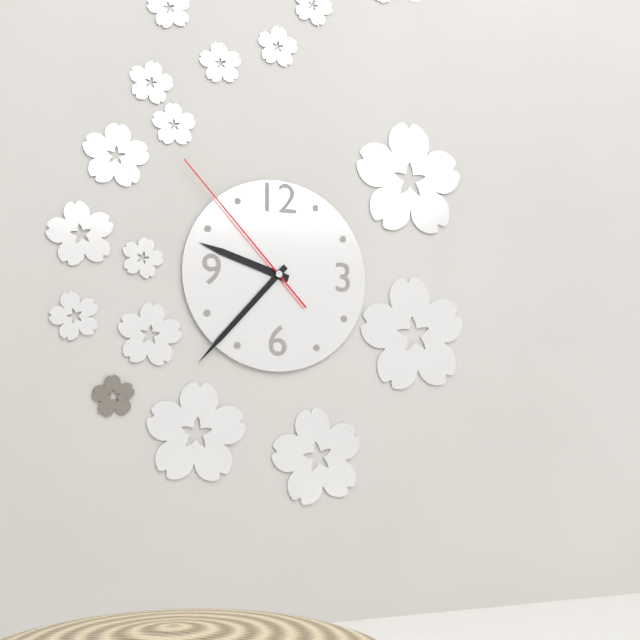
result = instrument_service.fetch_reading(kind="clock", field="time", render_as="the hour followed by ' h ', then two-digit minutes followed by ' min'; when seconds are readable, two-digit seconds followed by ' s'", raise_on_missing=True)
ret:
9 h 37 min 53 s
